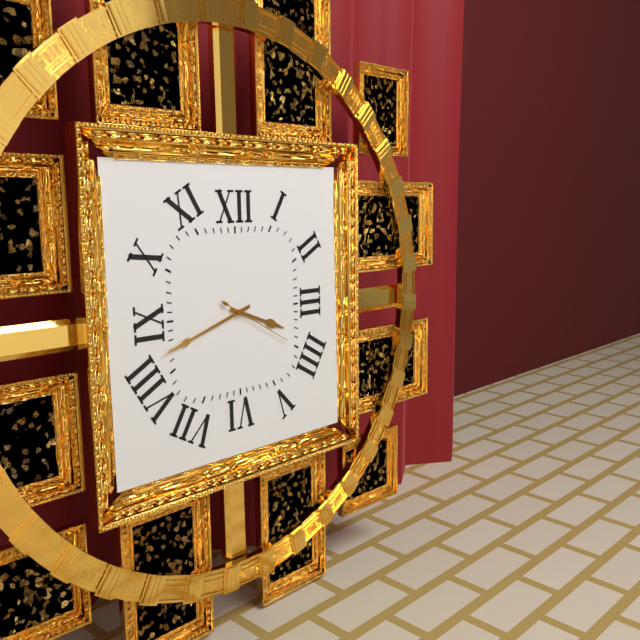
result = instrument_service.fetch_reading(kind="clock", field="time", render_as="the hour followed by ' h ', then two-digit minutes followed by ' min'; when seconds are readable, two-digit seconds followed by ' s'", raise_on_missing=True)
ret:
3 h 42 min 20 s
